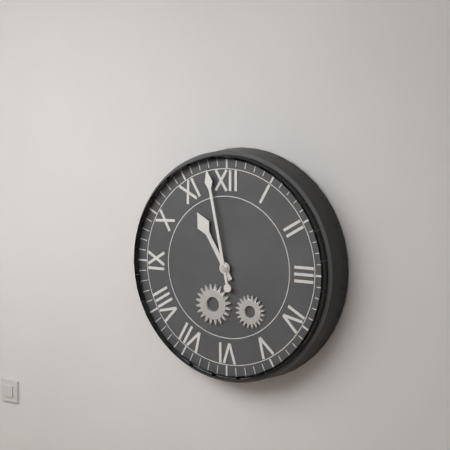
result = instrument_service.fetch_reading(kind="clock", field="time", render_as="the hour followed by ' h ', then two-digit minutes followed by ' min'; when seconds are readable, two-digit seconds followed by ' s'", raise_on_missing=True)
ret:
10 h 58 min
